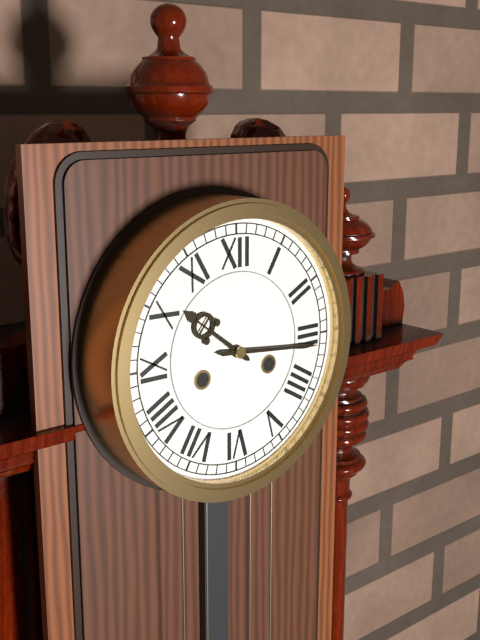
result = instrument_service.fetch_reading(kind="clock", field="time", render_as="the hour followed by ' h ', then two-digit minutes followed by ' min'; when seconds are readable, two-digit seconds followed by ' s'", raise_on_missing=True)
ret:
10 h 16 min
